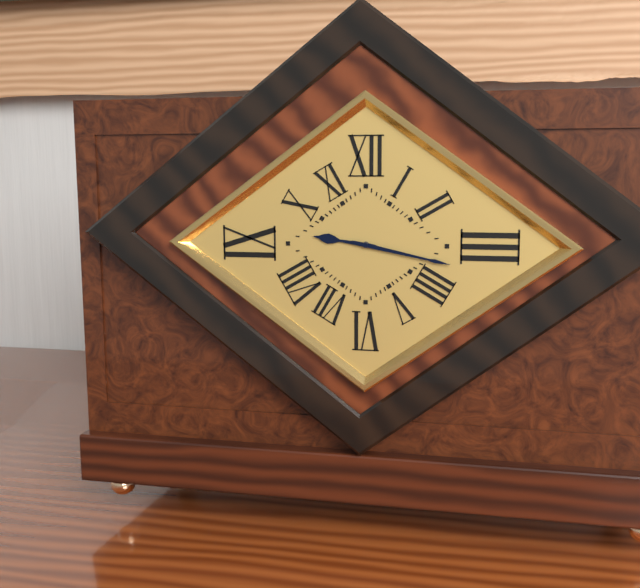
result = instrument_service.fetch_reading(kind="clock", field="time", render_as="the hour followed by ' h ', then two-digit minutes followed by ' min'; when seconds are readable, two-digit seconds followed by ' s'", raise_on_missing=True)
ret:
9 h 17 min
